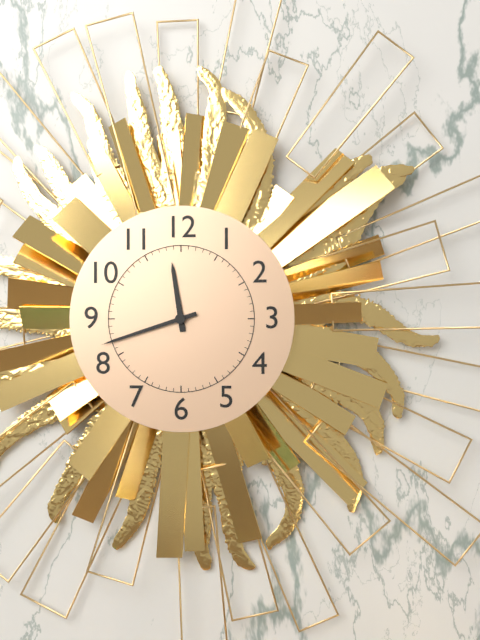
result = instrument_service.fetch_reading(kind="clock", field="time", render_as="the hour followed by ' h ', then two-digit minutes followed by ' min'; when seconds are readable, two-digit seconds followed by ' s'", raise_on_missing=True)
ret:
11 h 42 min
